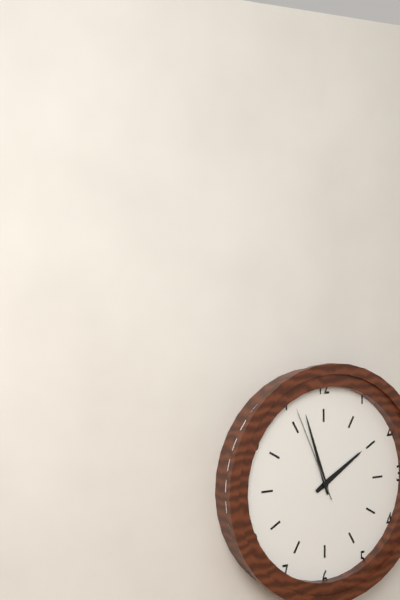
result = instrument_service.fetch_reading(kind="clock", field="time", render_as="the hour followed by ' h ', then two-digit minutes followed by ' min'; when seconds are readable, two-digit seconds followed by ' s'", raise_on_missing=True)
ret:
1 h 57 min 56 s
